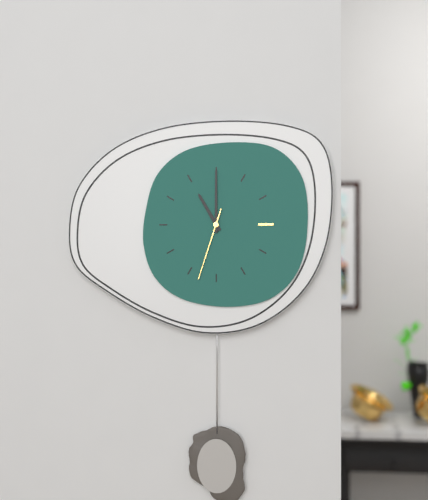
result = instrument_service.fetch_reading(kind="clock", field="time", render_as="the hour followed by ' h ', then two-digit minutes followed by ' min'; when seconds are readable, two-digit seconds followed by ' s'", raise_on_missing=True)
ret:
11 h 00 min 33 s
